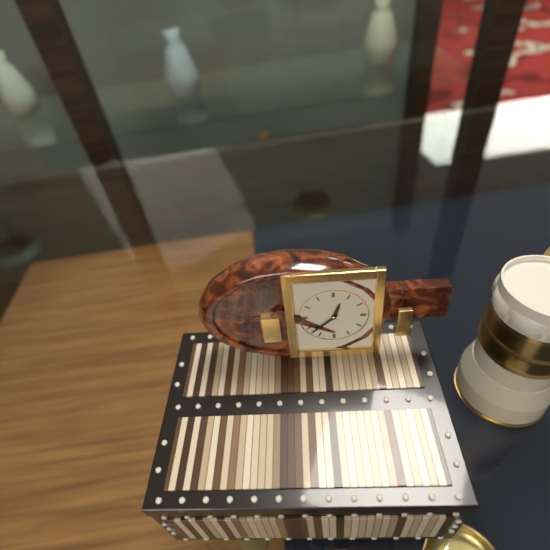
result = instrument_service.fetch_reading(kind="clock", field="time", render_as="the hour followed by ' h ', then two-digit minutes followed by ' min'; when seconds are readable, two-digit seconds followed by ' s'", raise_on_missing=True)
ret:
12 h 38 min
